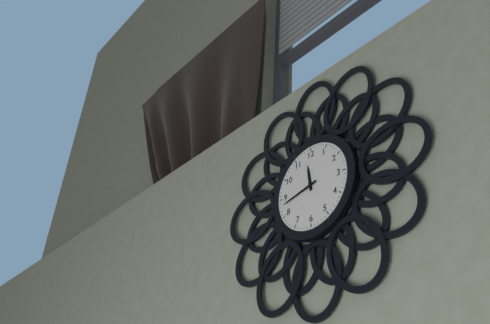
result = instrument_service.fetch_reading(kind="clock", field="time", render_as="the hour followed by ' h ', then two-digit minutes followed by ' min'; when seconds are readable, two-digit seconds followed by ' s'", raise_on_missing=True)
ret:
11 h 43 min
